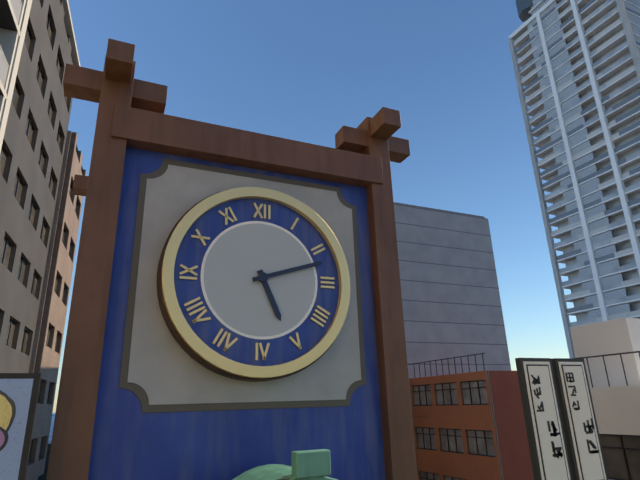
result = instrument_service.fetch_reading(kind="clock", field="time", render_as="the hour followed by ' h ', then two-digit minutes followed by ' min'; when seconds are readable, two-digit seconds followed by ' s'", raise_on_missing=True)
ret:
5 h 12 min
